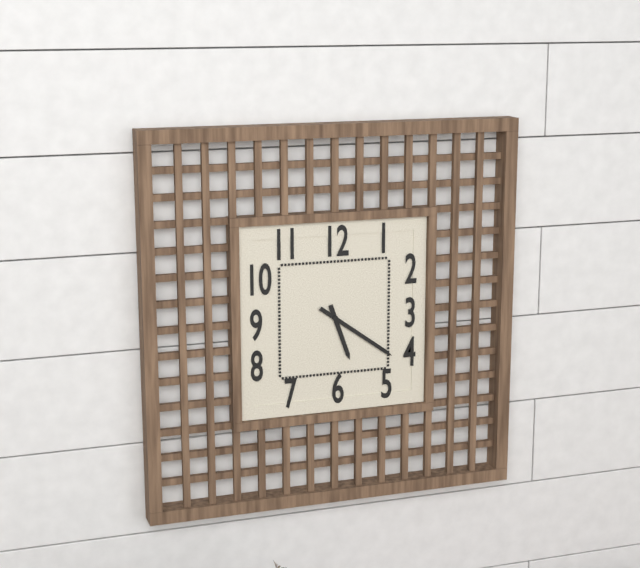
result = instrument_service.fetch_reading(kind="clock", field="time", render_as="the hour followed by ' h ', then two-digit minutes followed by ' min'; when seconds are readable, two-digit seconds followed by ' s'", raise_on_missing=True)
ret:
5 h 21 min
